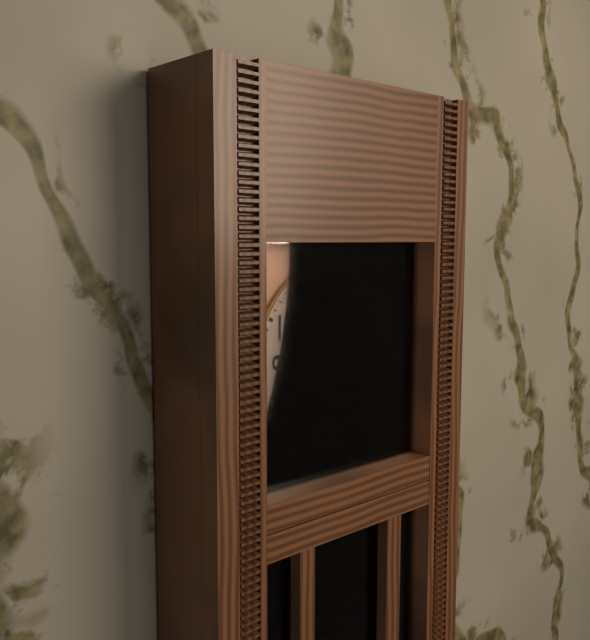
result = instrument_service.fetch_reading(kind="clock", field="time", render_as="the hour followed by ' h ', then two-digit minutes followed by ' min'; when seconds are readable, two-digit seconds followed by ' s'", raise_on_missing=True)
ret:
5 h 11 min
